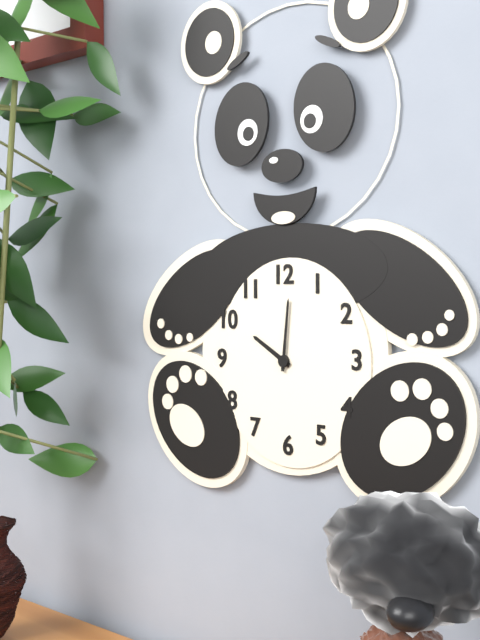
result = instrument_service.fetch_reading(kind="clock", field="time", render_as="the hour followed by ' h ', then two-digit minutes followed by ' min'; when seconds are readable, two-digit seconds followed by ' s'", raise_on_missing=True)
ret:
10 h 01 min
